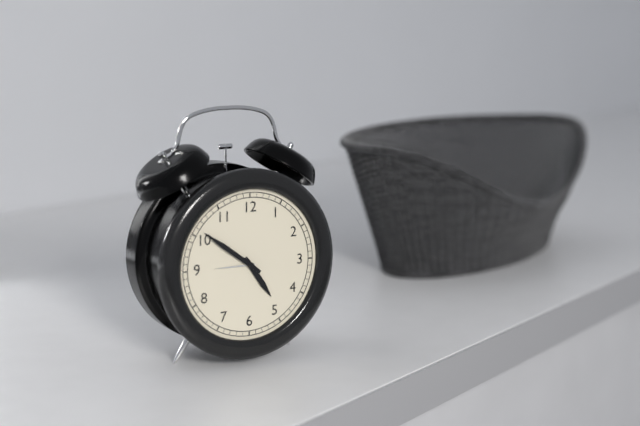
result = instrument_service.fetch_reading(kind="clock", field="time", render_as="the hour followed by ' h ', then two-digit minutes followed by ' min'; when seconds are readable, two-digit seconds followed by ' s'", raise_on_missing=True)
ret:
4 h 51 min
